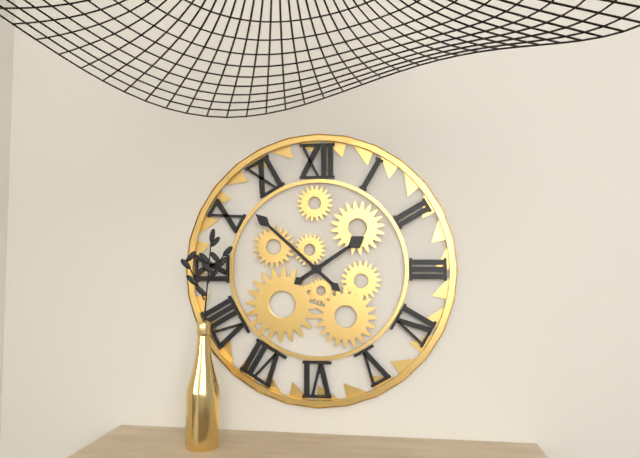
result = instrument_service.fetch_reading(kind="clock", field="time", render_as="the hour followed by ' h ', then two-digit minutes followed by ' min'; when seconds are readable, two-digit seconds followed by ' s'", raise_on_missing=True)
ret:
1 h 52 min
